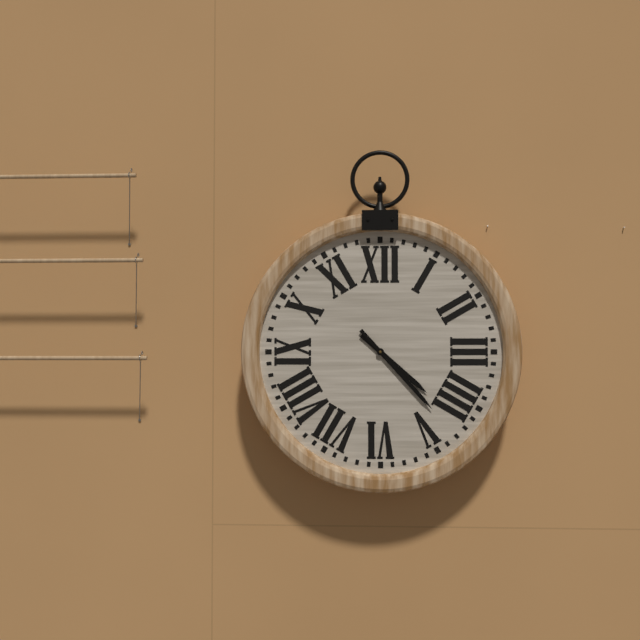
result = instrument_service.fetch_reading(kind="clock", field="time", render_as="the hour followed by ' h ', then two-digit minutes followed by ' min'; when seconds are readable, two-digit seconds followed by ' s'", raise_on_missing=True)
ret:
4 h 23 min
